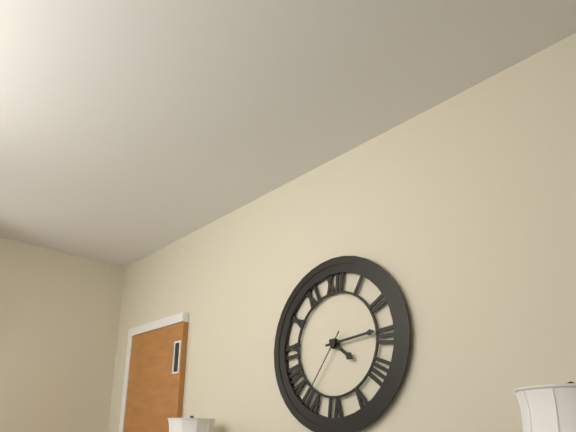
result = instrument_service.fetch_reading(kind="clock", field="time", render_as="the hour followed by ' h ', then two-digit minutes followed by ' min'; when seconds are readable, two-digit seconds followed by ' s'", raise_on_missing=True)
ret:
4 h 14 min 36 s
